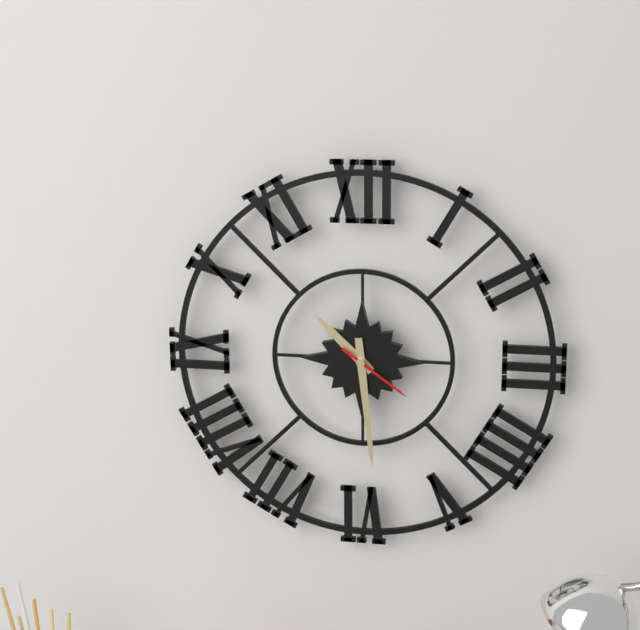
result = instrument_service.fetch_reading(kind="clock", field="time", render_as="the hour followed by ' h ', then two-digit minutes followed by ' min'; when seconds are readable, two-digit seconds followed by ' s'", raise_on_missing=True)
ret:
10 h 29 min 21 s
